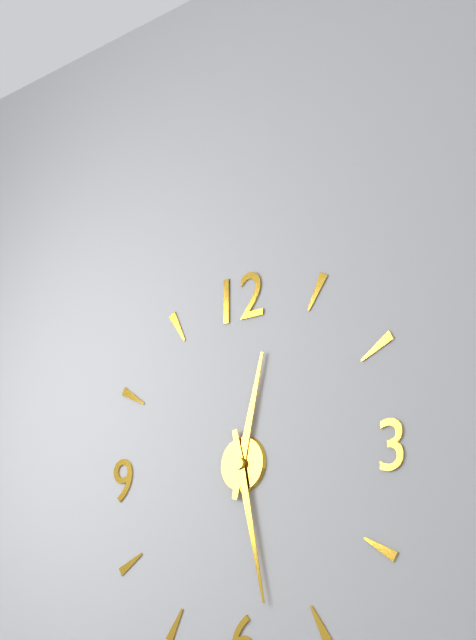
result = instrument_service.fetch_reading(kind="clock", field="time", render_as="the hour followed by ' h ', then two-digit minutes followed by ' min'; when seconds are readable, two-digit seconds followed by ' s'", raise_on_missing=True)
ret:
12 h 28 min
